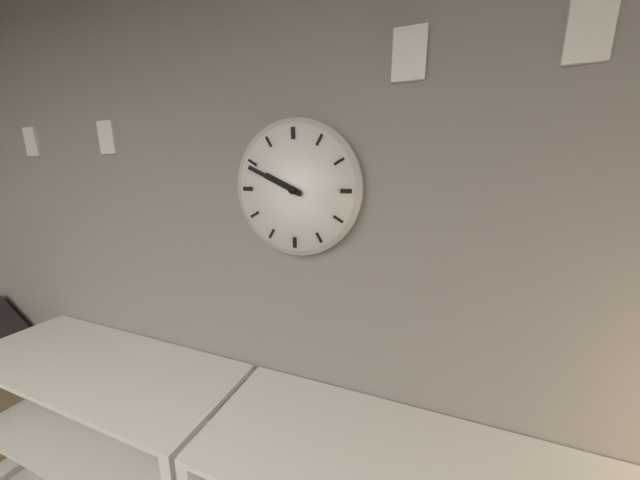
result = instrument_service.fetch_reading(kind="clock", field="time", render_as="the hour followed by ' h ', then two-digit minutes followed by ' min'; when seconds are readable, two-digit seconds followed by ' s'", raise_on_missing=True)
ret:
9 h 49 min
